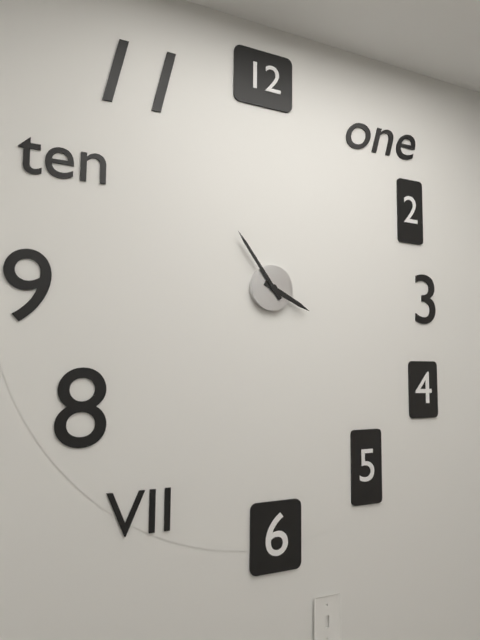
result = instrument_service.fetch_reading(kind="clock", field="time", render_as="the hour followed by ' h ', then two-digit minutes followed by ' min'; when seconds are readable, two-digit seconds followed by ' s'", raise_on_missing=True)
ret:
3 h 54 min
